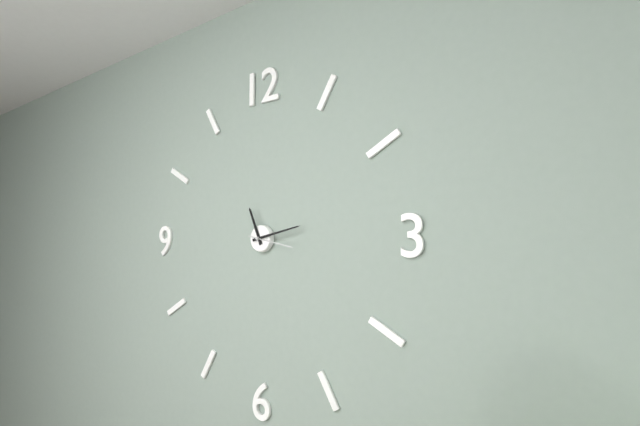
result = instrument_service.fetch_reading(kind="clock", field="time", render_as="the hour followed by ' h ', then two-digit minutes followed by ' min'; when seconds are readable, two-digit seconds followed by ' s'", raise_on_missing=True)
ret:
11 h 13 min
